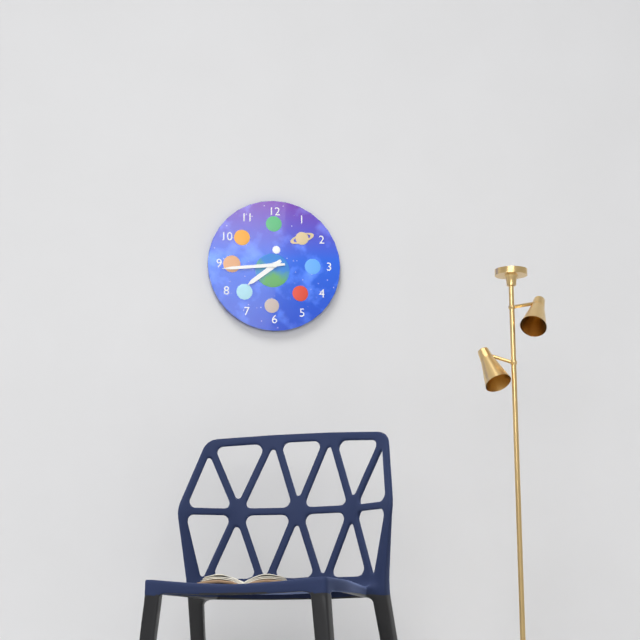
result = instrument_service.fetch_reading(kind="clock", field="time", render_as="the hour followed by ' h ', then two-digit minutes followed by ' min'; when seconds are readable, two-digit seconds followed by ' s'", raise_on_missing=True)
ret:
7 h 44 min
